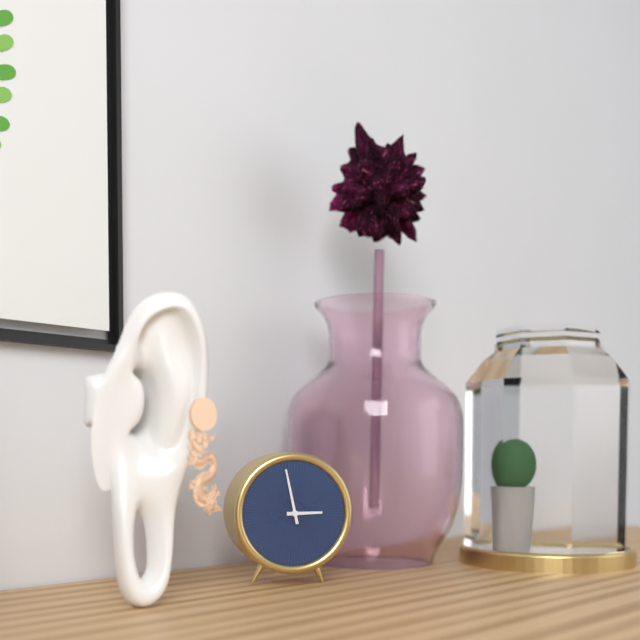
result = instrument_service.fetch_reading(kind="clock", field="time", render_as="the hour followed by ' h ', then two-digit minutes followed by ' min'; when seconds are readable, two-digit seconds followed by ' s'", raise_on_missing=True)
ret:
2 h 58 min
